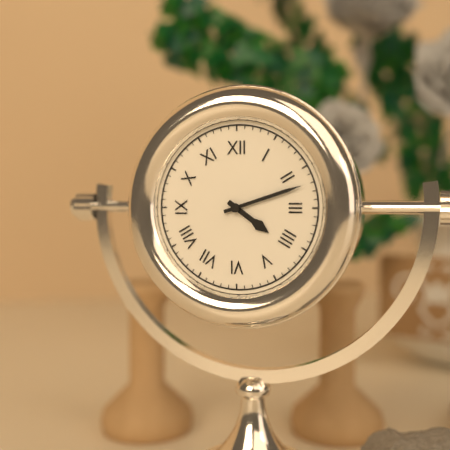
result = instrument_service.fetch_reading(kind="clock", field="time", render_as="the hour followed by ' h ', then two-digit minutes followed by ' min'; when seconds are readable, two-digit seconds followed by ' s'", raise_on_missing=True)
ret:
4 h 12 min
